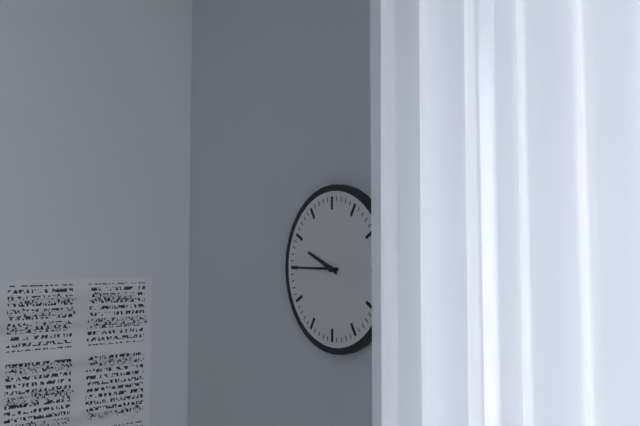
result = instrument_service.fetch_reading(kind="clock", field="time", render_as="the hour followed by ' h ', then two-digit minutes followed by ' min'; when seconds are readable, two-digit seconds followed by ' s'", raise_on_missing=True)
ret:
9 h 45 min
